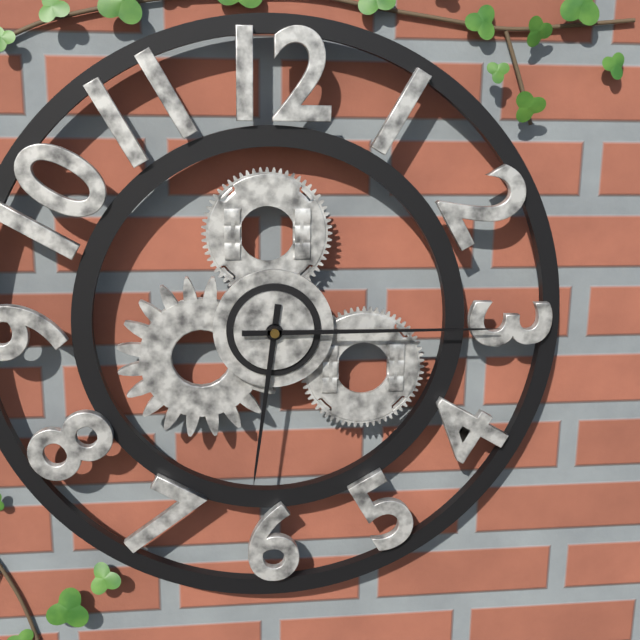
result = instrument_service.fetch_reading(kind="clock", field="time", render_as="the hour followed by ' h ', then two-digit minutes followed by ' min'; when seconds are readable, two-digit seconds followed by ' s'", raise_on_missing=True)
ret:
6 h 15 min
